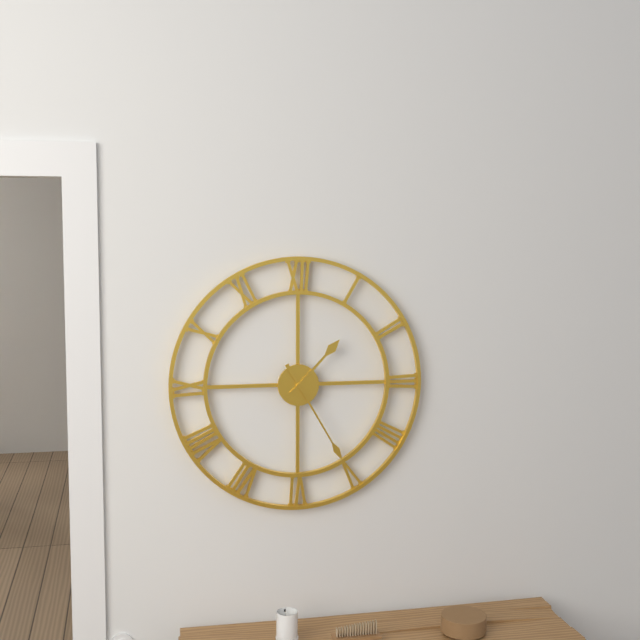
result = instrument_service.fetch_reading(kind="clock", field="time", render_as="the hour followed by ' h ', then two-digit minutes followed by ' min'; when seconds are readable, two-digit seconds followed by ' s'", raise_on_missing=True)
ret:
1 h 25 min
